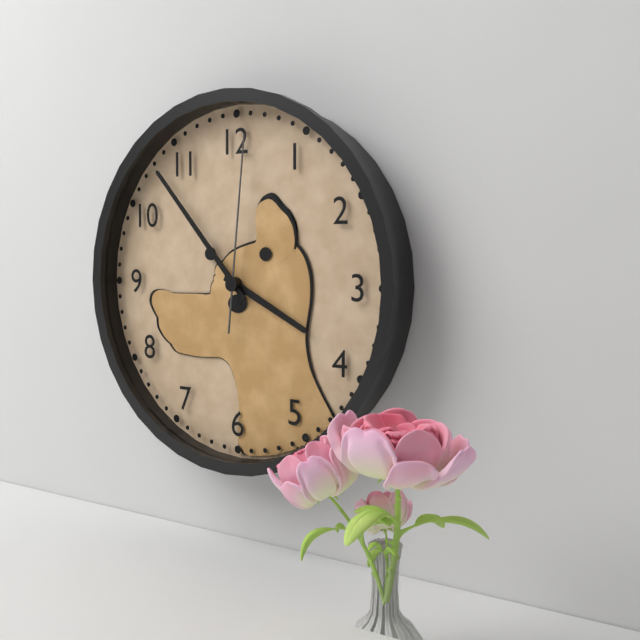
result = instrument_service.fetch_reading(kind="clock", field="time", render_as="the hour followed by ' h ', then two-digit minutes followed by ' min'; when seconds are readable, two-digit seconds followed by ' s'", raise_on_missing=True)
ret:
3 h 53 min 01 s
